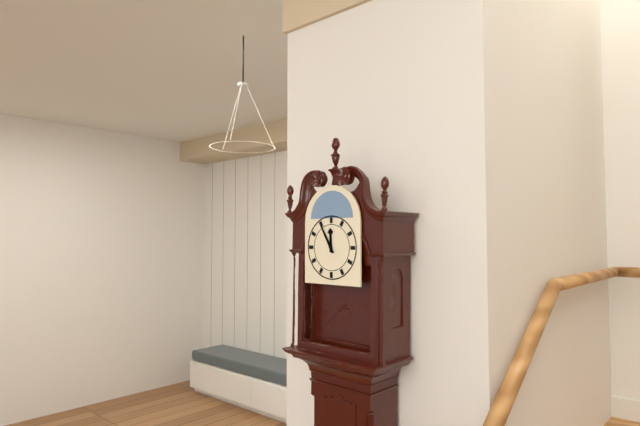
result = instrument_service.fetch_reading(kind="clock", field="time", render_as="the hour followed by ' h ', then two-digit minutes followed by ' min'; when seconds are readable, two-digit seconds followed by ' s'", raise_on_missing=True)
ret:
11 h 55 min
